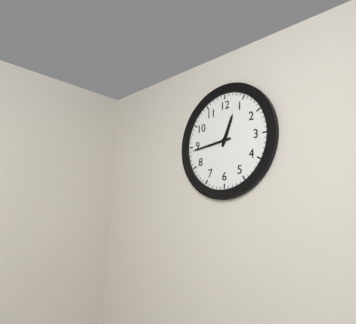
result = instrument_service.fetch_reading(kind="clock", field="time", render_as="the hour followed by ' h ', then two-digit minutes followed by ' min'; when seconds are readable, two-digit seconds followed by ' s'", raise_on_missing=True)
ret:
12 h 44 min
